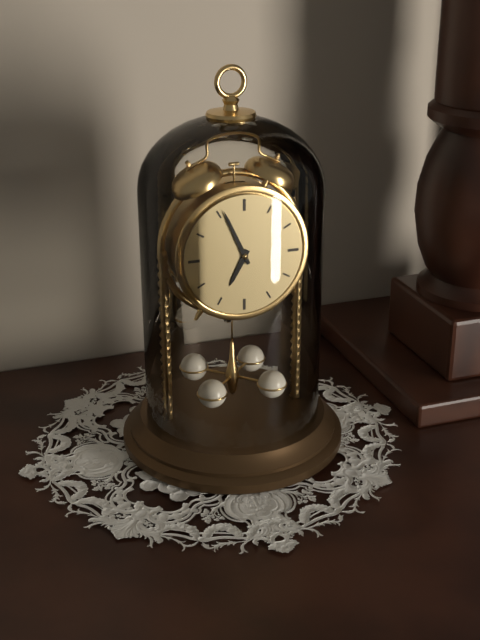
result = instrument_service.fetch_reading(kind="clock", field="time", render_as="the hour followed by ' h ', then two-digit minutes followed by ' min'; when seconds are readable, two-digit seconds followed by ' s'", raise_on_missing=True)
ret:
6 h 56 min
